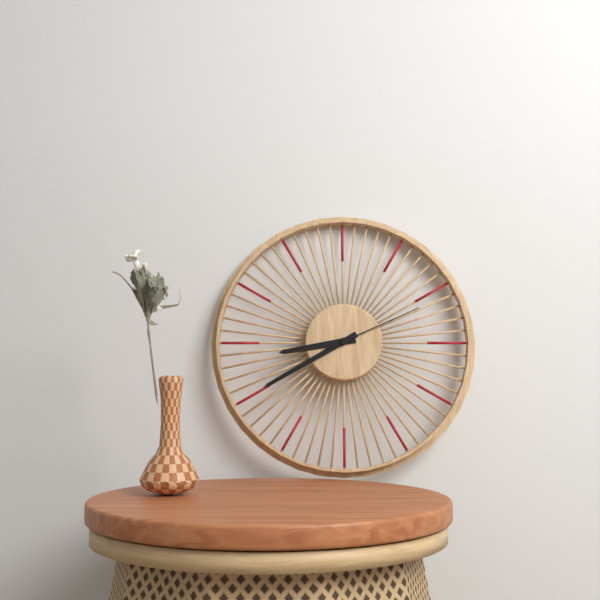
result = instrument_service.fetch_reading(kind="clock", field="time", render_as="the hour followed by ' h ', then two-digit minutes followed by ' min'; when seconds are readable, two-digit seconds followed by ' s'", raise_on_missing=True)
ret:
8 h 40 min 11 s
